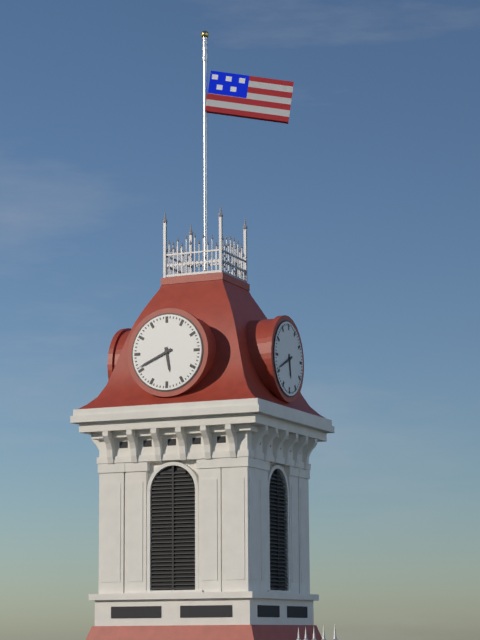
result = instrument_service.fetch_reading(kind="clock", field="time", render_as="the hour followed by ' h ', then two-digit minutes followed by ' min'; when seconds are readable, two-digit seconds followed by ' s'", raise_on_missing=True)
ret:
5 h 41 min
